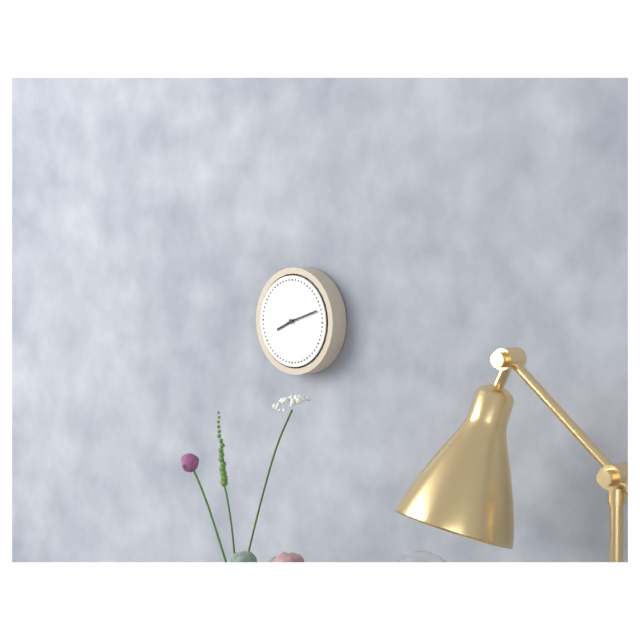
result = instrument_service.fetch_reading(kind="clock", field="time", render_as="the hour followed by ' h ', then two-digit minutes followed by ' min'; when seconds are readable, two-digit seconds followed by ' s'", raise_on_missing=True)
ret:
8 h 12 min
